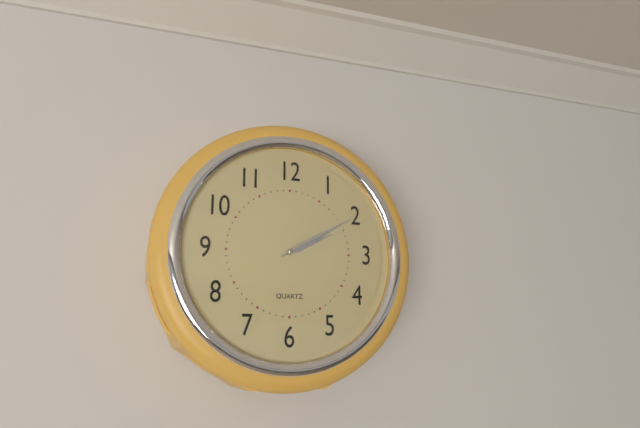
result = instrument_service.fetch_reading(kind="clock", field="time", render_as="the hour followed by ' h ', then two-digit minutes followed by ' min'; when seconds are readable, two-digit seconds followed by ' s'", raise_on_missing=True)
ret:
2 h 10 min
